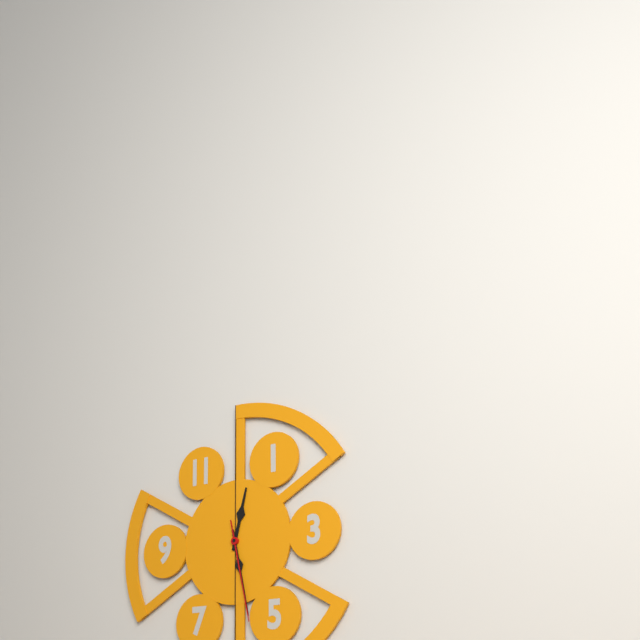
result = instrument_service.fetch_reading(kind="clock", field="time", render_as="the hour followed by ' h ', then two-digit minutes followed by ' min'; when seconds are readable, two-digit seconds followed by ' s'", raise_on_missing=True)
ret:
12 h 28 min 28 s
